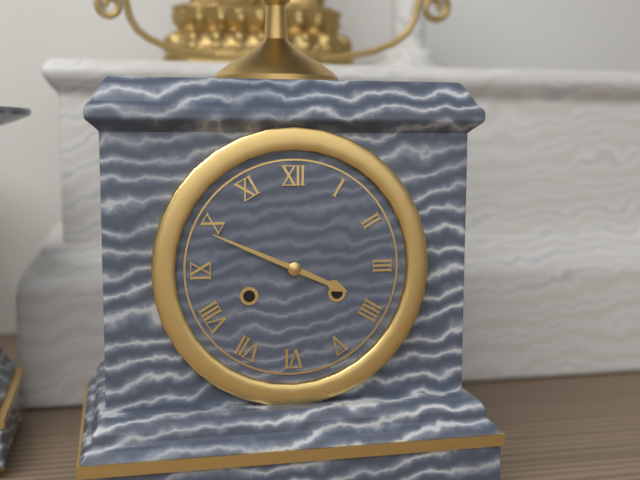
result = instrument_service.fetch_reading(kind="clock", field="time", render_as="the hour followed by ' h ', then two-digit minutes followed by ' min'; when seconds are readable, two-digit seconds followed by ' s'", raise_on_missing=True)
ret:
3 h 49 min
